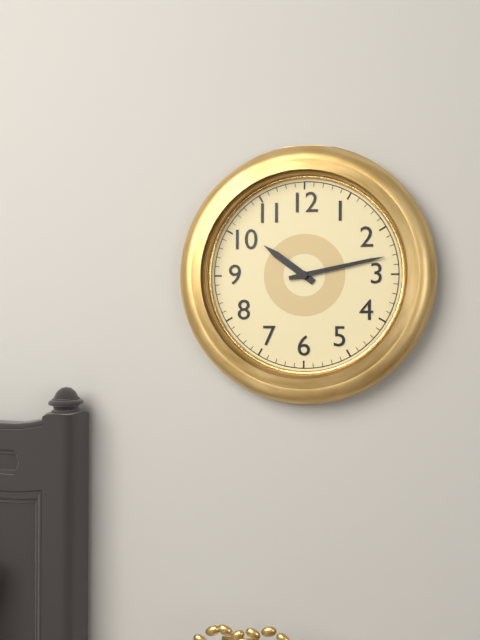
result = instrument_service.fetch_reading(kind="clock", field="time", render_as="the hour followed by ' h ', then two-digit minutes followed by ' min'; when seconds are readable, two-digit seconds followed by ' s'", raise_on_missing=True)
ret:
10 h 13 min
